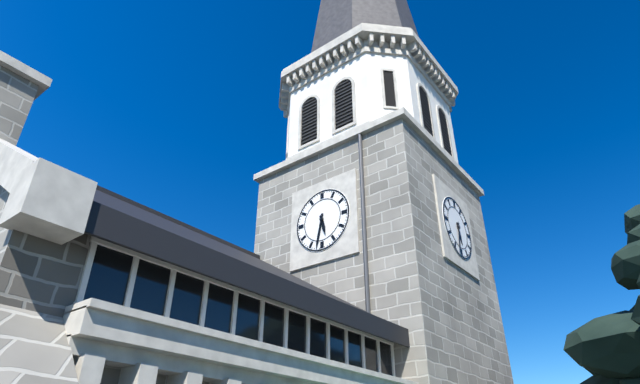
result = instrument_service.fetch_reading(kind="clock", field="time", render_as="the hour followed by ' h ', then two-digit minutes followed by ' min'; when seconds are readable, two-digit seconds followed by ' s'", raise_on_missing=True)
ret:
5 h 32 min
